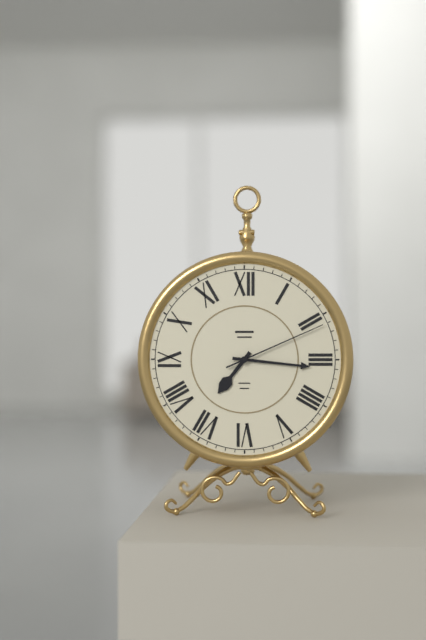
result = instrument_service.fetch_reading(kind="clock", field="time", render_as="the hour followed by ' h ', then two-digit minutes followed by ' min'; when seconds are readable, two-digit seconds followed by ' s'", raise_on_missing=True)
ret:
7 h 16 min 11 s
